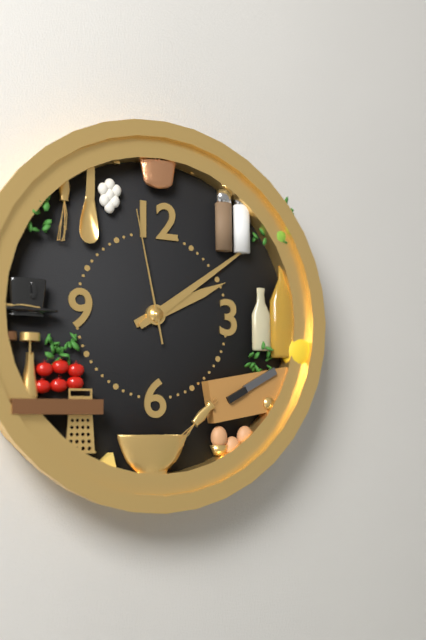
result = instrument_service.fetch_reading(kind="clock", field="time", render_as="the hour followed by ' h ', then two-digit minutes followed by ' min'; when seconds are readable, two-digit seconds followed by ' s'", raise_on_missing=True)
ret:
2 h 09 min 58 s
